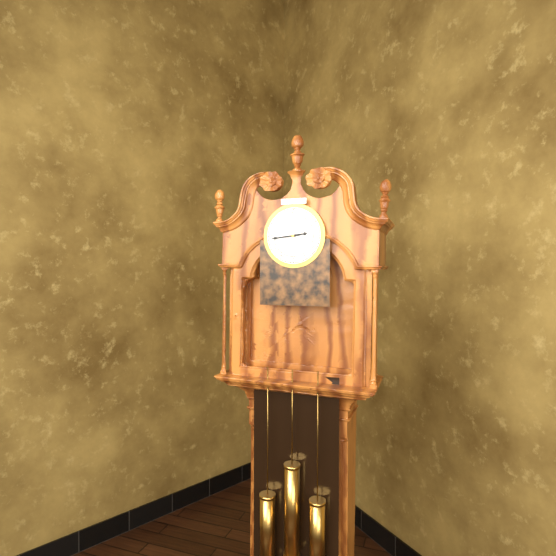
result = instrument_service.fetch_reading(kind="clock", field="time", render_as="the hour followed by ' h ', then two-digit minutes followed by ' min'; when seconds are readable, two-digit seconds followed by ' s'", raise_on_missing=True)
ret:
2 h 44 min
